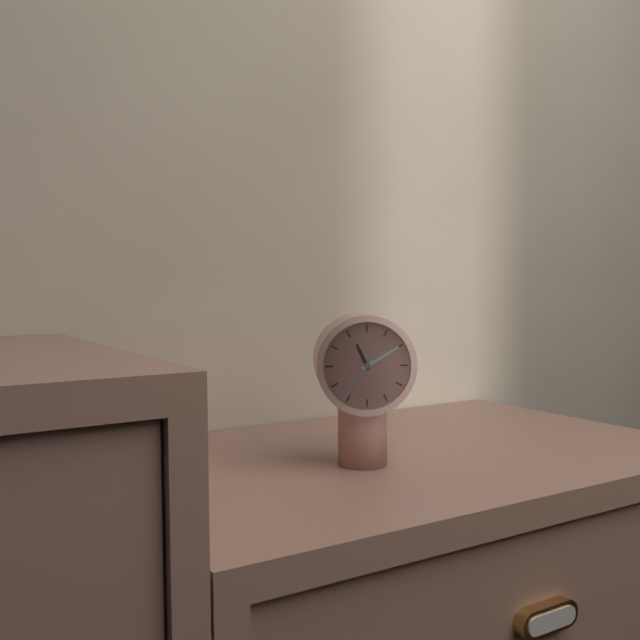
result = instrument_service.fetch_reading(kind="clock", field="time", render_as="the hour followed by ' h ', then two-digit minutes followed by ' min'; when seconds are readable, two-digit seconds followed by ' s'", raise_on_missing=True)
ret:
11 h 10 min 36 s
